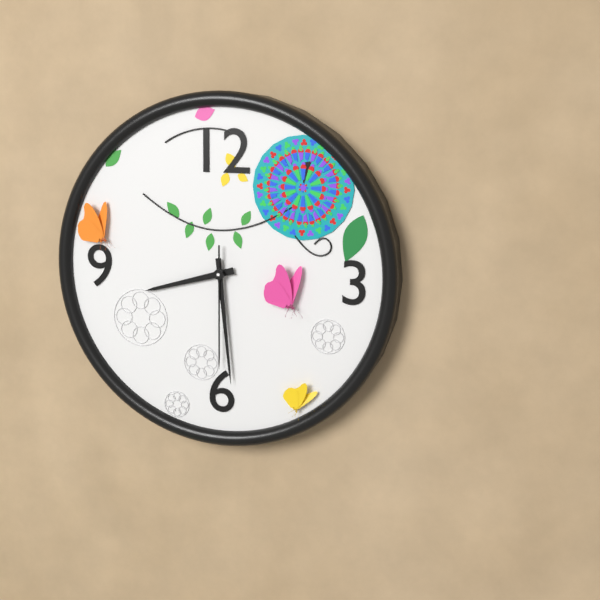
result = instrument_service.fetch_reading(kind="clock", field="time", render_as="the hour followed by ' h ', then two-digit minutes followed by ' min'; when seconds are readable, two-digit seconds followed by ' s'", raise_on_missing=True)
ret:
8 h 29 min 30 s
